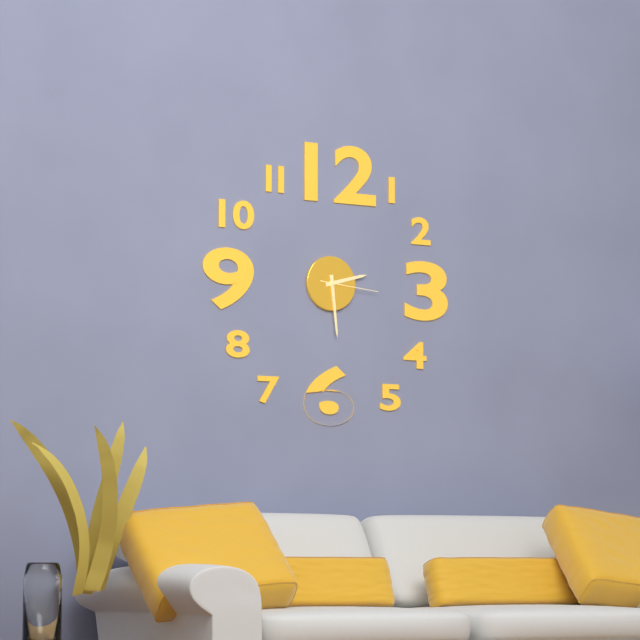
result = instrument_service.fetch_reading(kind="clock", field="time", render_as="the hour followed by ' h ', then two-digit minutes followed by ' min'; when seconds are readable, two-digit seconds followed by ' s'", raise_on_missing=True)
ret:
2 h 29 min 16 s
